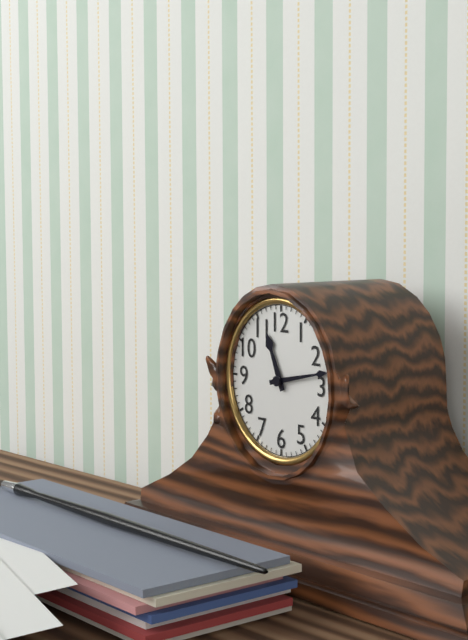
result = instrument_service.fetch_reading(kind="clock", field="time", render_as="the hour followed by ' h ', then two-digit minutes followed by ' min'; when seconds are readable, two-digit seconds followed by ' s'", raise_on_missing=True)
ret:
11 h 13 min
